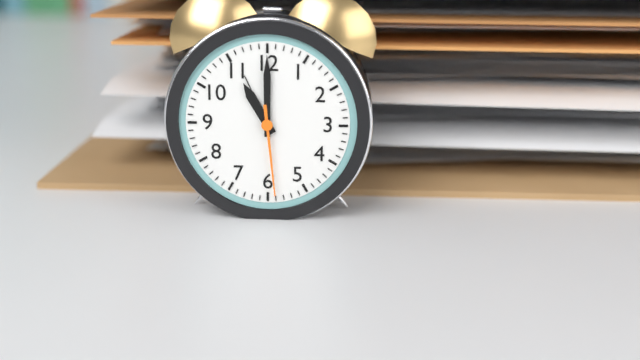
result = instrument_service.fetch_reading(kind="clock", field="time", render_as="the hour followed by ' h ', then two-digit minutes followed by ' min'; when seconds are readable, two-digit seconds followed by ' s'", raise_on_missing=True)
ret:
11 h 00 min 29 s
